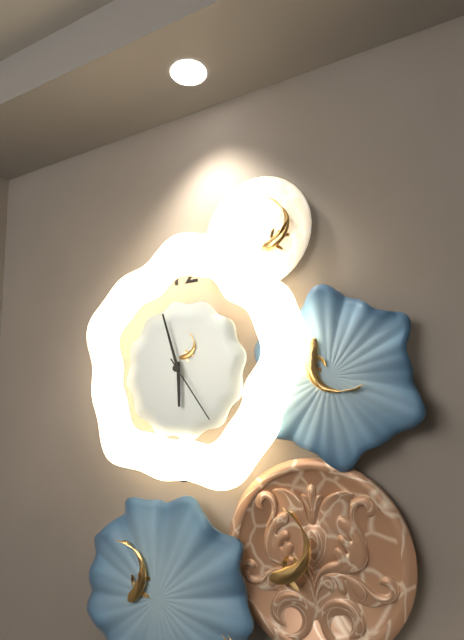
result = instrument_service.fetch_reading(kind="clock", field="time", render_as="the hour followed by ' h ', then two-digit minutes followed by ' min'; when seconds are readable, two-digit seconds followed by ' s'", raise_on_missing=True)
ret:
5 h 57 min 24 s
